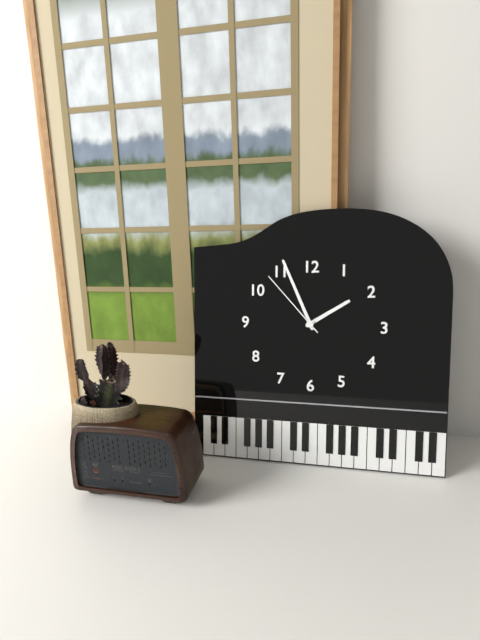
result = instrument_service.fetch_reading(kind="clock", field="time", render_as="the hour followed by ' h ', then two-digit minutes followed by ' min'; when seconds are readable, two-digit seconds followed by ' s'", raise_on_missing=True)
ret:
1 h 56 min 53 s
